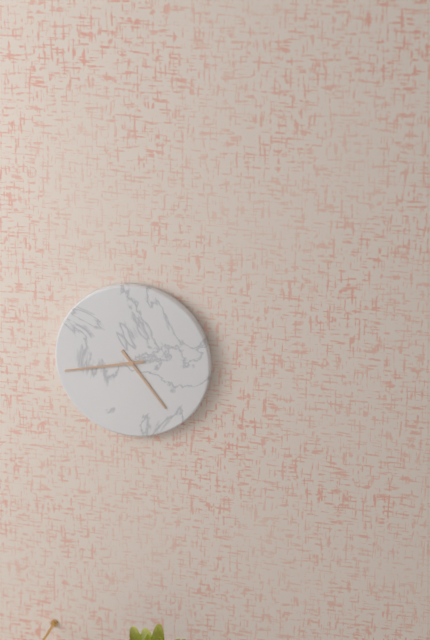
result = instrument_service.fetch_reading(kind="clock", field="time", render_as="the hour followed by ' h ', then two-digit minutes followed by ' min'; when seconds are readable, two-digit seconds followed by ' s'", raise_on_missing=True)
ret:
4 h 43 min
